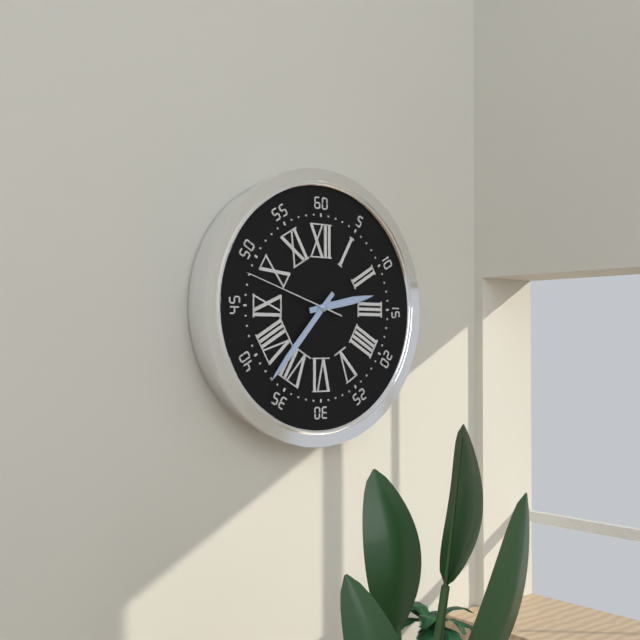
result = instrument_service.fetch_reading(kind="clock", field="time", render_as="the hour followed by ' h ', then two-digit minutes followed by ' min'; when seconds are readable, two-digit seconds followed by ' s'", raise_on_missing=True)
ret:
2 h 37 min 48 s
